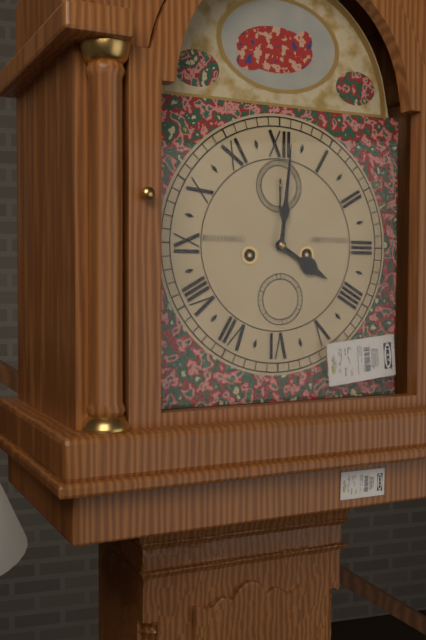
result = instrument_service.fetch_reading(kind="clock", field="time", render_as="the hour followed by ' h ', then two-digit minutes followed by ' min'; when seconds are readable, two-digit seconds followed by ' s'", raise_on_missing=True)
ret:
4 h 01 min
